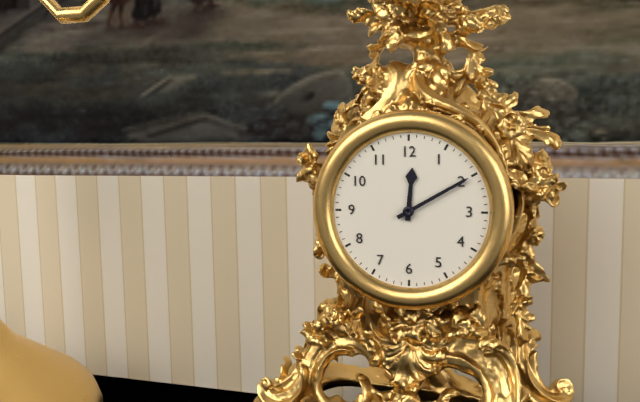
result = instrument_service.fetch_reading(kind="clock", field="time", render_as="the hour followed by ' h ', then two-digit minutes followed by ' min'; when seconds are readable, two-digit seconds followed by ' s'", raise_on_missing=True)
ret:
12 h 10 min
